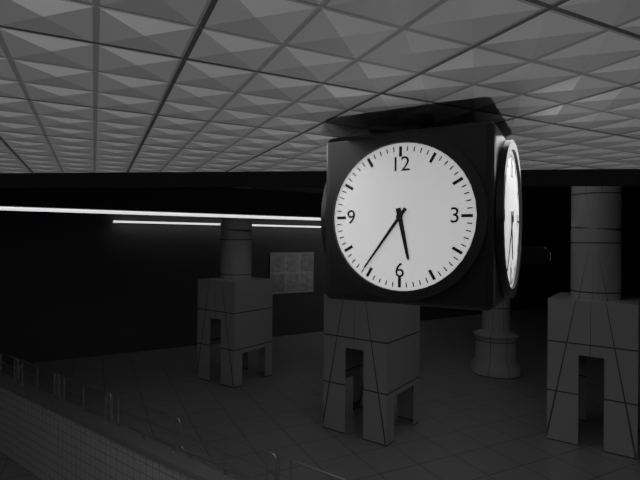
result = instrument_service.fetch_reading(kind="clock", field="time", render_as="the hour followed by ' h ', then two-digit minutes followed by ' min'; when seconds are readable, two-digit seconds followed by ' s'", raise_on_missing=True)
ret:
5 h 36 min
